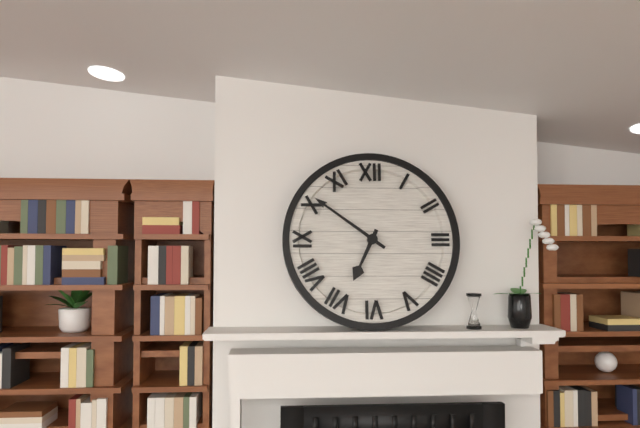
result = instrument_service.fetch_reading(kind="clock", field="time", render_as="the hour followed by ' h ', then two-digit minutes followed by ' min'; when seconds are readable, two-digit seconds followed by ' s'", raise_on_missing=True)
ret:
6 h 51 min
